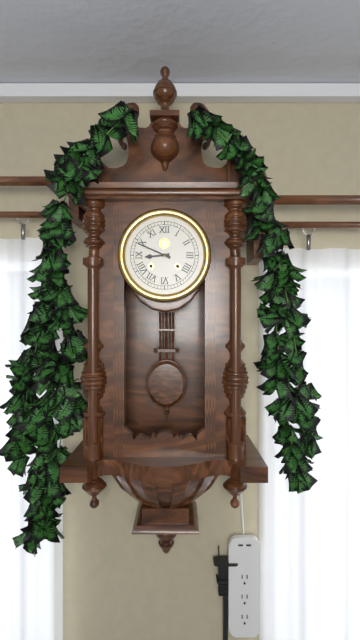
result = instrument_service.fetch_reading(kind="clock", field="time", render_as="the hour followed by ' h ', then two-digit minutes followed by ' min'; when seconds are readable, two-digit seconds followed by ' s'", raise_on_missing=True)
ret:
8 h 49 min
